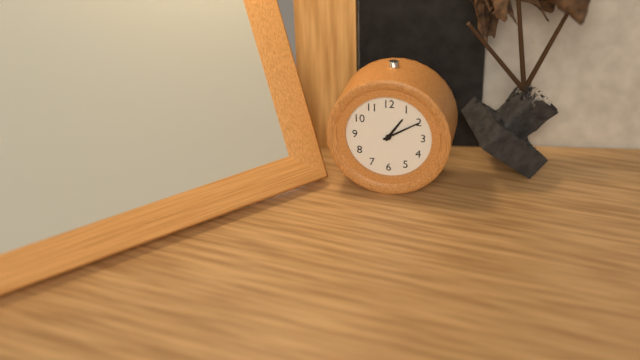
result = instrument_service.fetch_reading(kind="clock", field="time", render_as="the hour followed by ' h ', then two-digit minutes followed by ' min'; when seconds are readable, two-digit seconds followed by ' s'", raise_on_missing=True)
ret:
1 h 10 min
